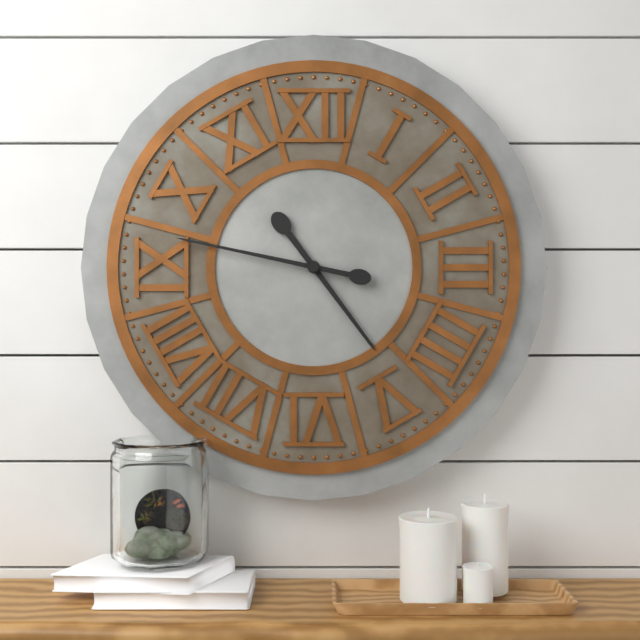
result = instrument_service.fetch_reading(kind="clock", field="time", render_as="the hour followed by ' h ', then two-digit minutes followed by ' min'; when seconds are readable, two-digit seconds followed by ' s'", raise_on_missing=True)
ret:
4 h 47 min
